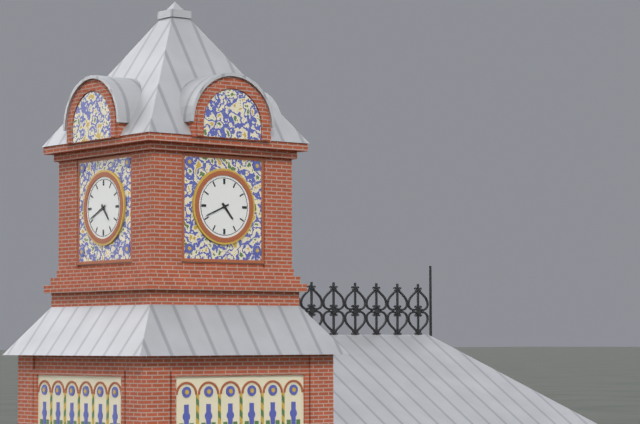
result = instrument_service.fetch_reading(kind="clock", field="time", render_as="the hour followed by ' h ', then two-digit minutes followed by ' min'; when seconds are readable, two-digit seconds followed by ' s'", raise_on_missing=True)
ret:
4 h 41 min
